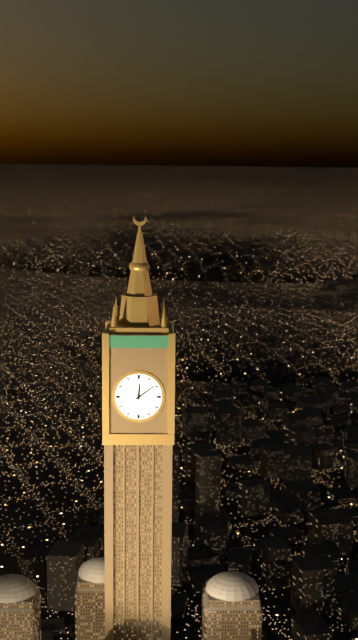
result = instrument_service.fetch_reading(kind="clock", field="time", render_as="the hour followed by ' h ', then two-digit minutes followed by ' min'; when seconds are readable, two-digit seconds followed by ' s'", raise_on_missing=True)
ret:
12 h 09 min
